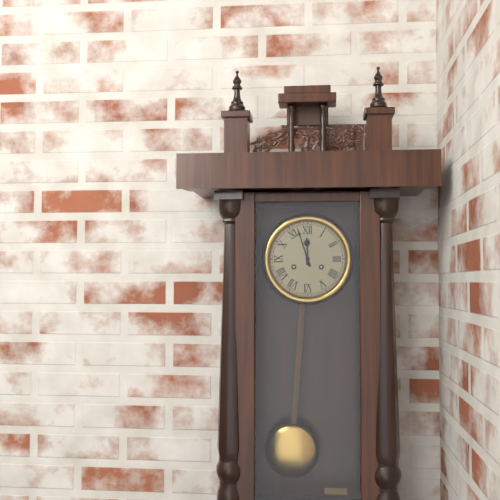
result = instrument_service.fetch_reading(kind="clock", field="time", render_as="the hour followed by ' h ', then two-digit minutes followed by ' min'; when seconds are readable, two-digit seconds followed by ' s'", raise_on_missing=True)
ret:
11 h 57 min
